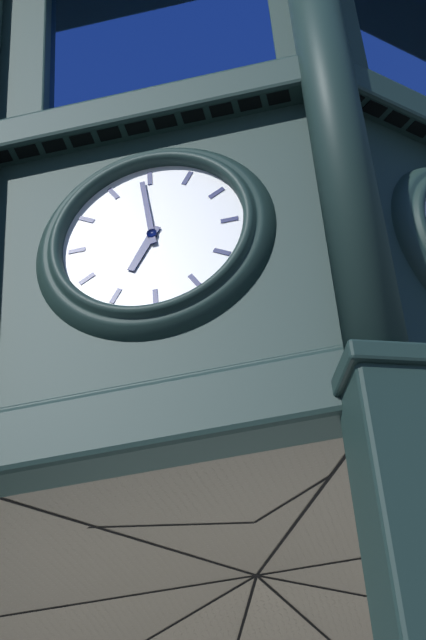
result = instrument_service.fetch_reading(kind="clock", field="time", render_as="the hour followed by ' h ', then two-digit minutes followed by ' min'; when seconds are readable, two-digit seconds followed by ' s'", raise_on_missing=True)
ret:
6 h 59 min
